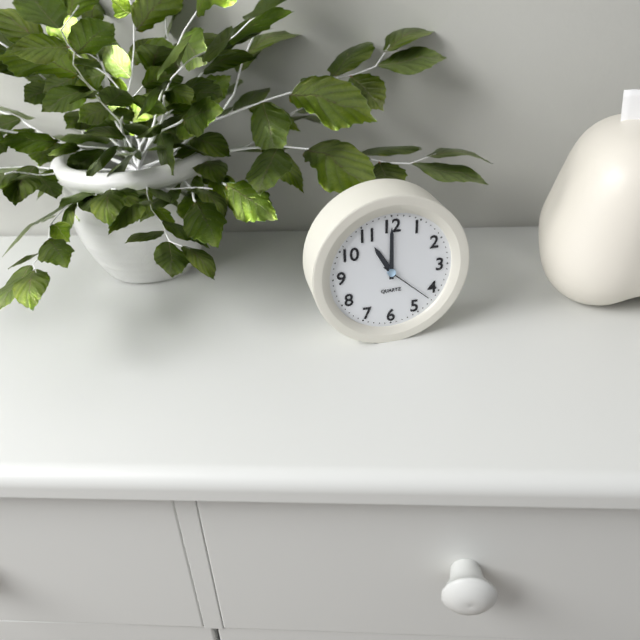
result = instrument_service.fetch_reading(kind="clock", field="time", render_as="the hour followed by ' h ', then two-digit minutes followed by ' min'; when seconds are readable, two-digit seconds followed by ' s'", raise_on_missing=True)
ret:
11 h 00 min 22 s
